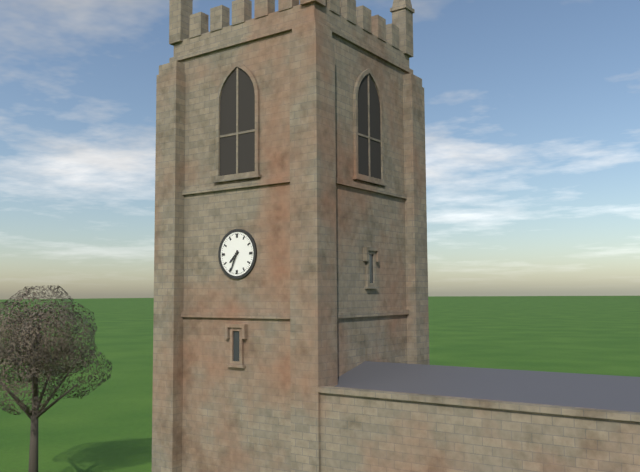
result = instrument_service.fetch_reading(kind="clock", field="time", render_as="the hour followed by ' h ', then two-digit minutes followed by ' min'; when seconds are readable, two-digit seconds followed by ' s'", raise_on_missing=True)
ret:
7 h 34 min
